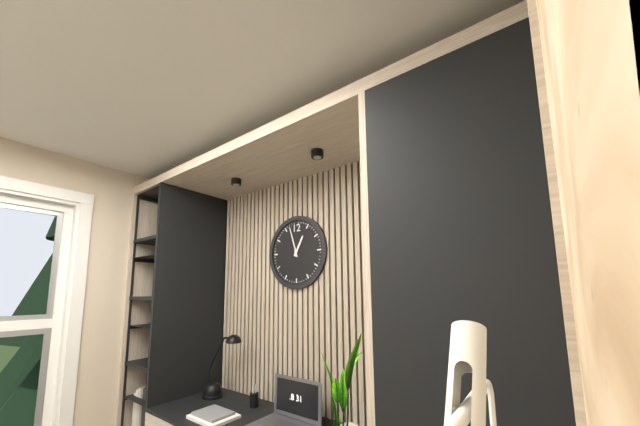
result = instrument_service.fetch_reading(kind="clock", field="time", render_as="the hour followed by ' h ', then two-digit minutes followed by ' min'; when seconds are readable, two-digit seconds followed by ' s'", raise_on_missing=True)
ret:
12 h 57 min
